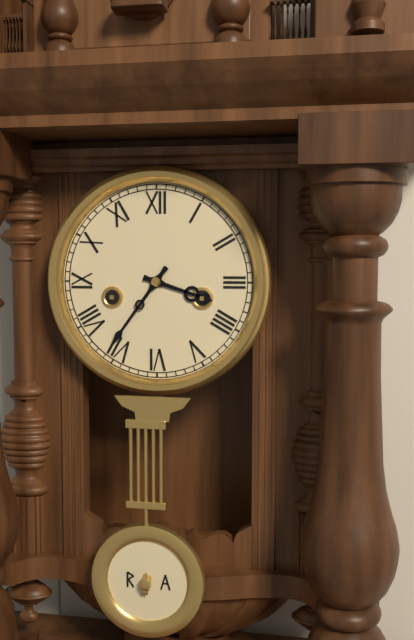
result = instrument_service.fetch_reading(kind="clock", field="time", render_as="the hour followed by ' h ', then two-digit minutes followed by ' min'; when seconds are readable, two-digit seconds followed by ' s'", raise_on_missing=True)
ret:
3 h 36 min
